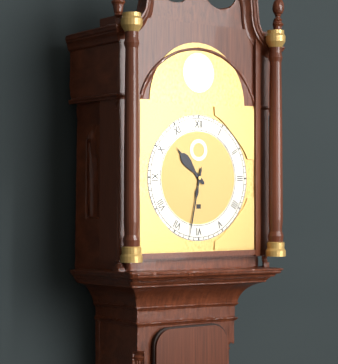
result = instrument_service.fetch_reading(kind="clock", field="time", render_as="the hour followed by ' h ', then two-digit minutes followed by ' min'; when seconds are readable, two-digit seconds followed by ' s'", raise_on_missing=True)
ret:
10 h 32 min
